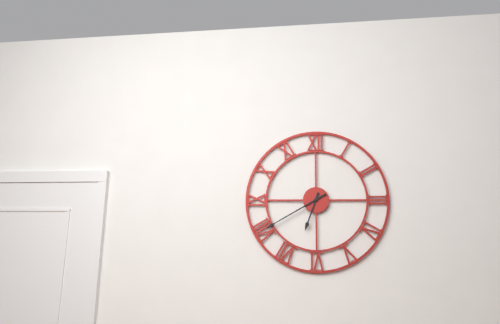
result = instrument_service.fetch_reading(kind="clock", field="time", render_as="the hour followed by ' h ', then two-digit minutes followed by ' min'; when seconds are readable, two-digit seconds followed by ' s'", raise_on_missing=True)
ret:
6 h 40 min
